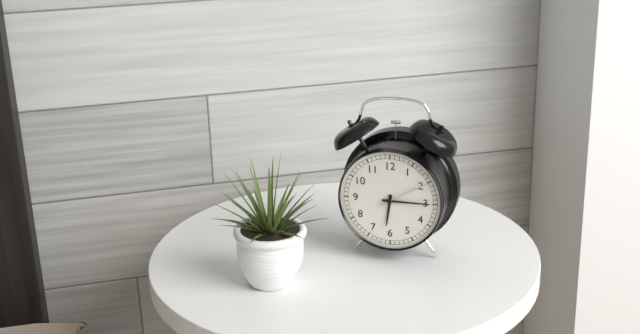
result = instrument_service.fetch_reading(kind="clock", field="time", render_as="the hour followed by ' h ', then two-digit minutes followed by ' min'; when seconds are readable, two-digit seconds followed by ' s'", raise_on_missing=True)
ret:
6 h 15 min 10 s
